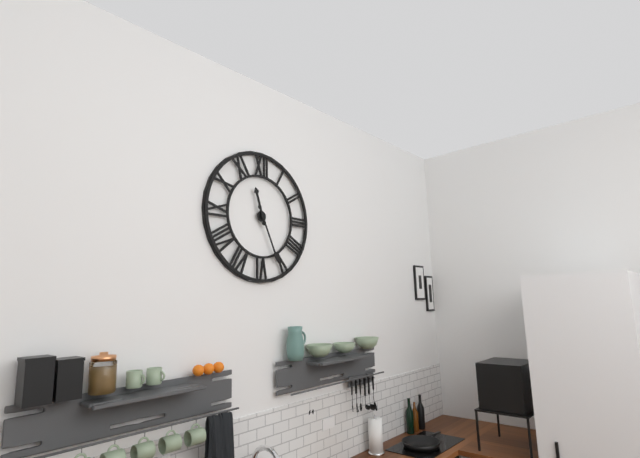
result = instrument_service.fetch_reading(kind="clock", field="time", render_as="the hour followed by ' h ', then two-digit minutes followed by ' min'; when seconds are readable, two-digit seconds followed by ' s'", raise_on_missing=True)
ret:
11 h 26 min
